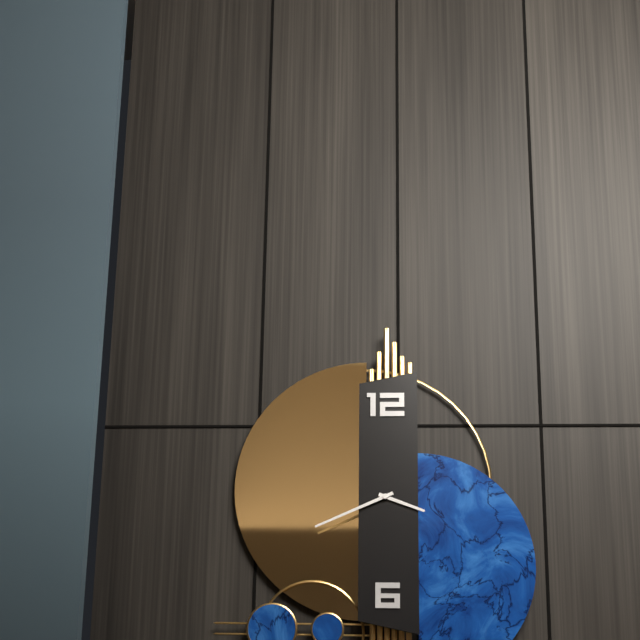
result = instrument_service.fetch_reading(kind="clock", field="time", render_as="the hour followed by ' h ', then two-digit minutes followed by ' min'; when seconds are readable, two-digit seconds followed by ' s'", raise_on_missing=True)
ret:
3 h 41 min
